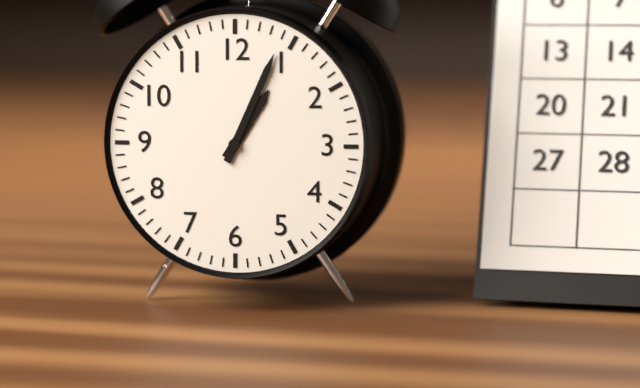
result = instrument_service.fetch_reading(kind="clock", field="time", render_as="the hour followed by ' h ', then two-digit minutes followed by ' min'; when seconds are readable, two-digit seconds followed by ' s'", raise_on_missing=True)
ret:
1 h 04 min
